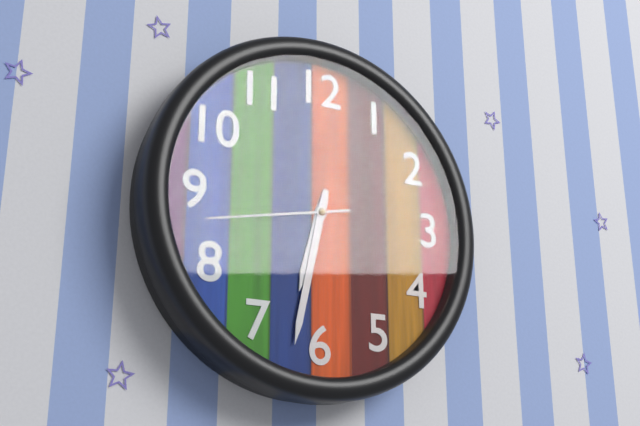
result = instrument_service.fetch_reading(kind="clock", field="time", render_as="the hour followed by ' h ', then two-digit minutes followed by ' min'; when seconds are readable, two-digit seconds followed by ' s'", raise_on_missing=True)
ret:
6 h 32 min 43 s
